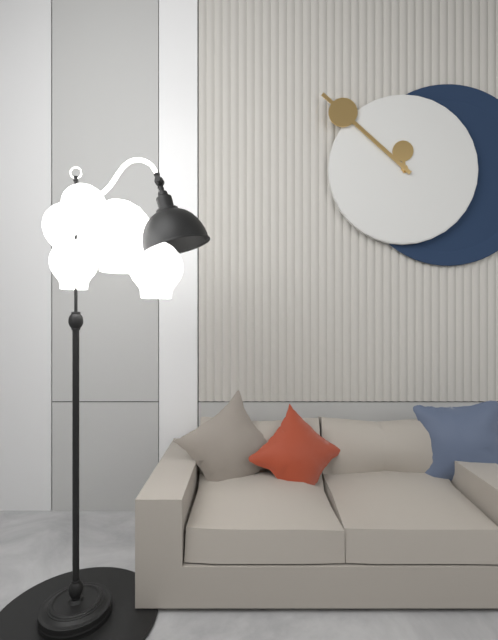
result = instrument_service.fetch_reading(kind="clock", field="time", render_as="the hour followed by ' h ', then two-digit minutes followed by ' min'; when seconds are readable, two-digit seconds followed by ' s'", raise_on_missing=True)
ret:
11 h 52 min
